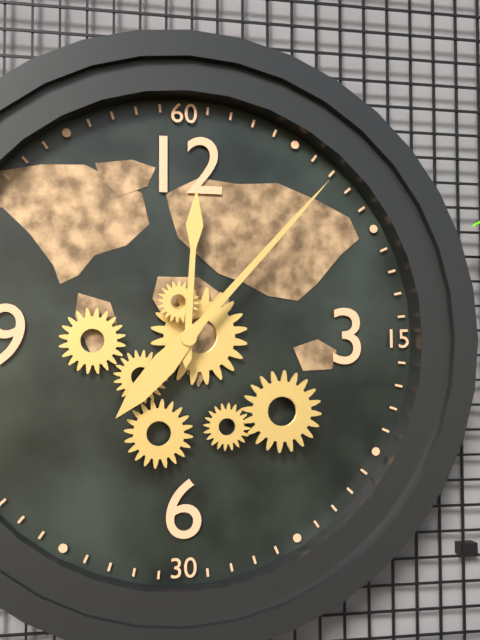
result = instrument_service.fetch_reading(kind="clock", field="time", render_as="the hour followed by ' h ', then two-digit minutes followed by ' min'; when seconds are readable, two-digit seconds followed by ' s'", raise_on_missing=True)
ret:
12 h 07 min
